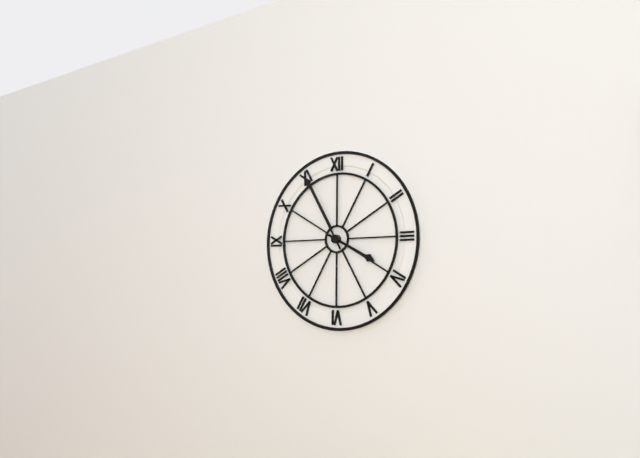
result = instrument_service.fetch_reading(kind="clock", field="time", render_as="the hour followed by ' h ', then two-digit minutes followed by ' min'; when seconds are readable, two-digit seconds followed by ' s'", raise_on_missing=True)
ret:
3 h 55 min
